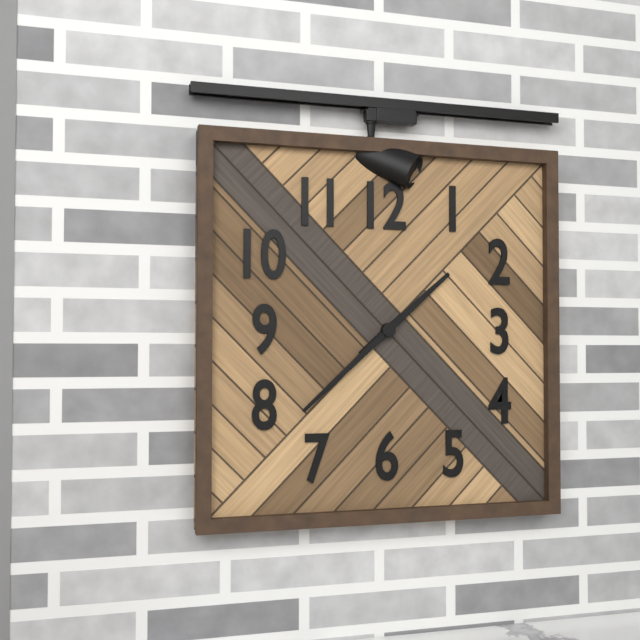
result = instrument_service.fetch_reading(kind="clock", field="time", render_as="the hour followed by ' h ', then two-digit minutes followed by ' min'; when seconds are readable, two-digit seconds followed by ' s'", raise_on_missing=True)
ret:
1 h 38 min
